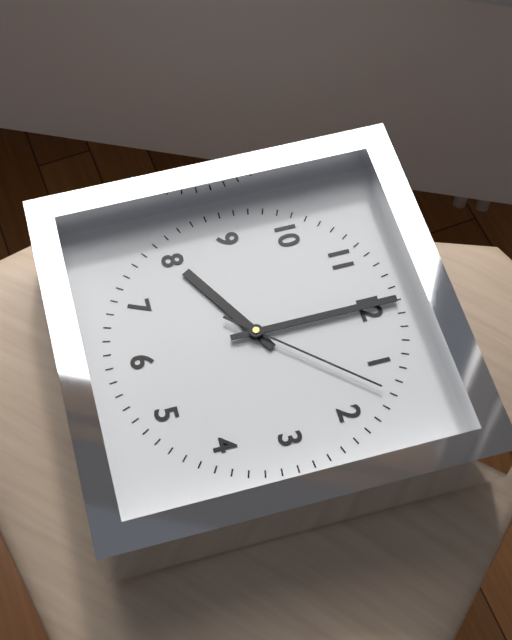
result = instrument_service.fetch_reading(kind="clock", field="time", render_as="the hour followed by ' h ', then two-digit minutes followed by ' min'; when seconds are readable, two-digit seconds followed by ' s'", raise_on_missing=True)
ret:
8 h 00 min 07 s
